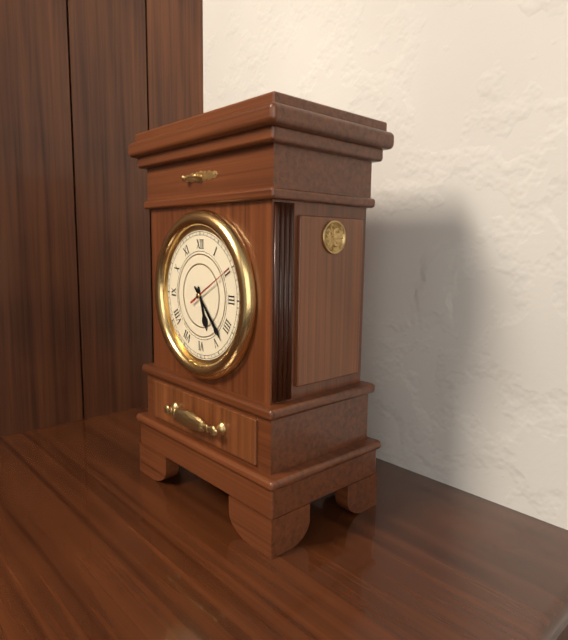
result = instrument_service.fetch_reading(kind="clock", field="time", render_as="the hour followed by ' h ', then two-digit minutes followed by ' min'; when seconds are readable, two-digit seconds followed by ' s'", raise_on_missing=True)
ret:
5 h 23 min
